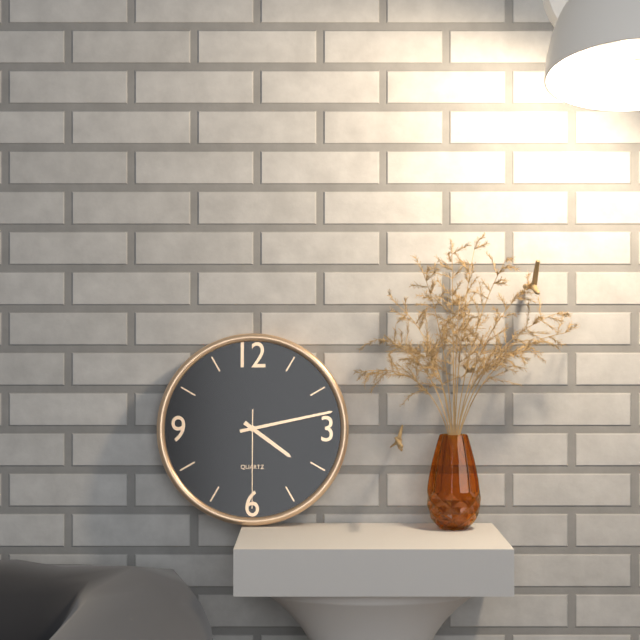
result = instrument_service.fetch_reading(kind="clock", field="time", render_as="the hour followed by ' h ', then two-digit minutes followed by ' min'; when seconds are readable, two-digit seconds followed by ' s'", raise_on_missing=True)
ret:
4 h 13 min 30 s
